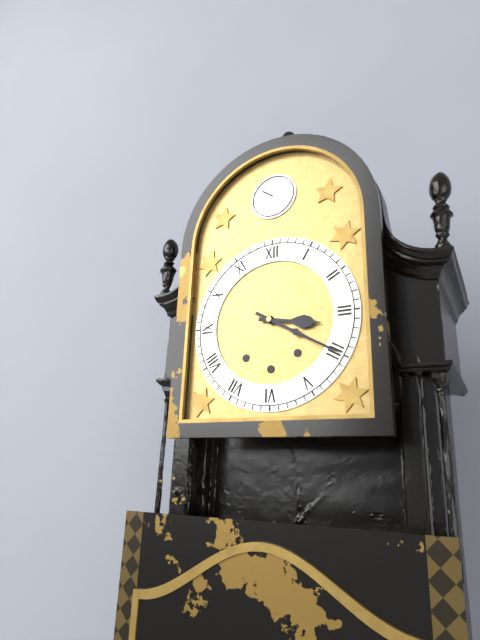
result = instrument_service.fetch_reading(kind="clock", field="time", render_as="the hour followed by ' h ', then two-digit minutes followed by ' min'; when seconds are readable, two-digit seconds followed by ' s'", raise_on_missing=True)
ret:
3 h 20 min
